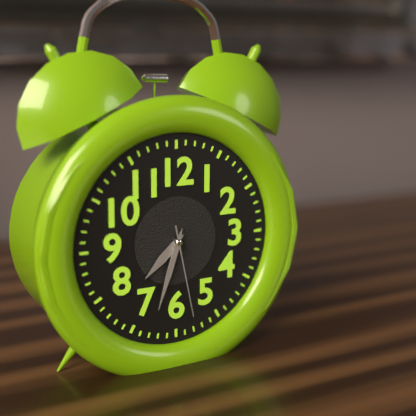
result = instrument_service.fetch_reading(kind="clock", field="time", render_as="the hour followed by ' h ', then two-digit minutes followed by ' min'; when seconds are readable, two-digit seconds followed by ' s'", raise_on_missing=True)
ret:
7 h 33 min 28 s
